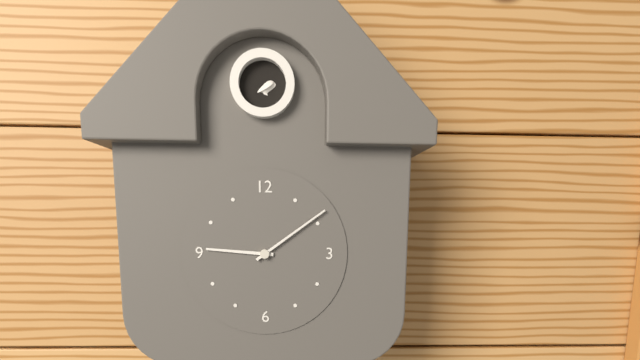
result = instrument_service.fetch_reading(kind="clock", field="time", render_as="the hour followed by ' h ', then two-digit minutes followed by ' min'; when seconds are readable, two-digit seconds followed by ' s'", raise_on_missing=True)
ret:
9 h 09 min
